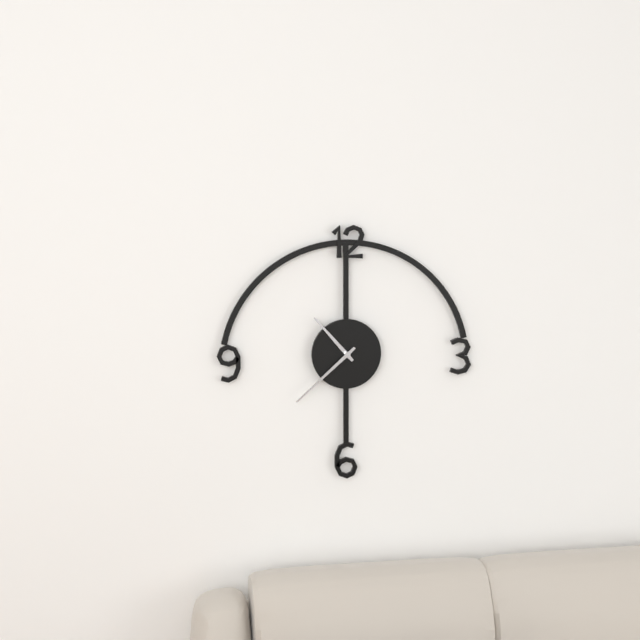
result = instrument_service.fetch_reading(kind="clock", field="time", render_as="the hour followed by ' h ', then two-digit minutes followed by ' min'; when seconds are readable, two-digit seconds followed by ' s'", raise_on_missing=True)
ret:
10 h 38 min
